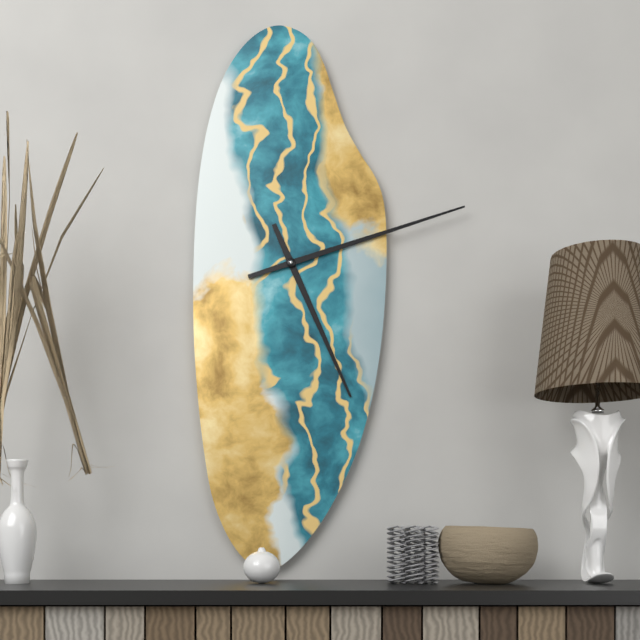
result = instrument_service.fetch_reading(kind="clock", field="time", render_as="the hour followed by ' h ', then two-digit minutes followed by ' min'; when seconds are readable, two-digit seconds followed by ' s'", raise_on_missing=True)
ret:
5 h 12 min
